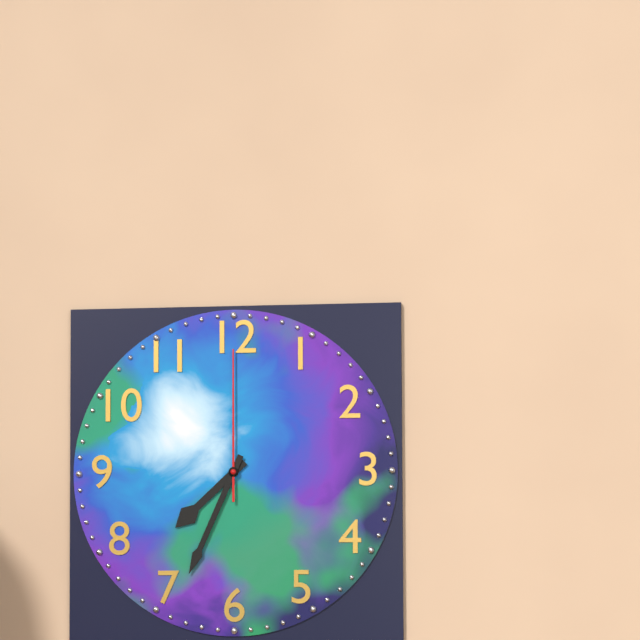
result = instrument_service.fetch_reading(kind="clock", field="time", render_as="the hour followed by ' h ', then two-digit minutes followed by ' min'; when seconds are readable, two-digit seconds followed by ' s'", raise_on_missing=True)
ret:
7 h 34 min 00 s
